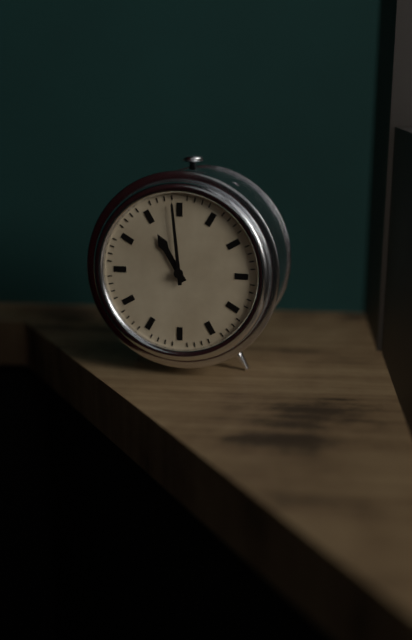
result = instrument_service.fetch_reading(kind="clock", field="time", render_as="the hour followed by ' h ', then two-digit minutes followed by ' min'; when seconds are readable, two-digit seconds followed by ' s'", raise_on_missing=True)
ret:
10 h 59 min
